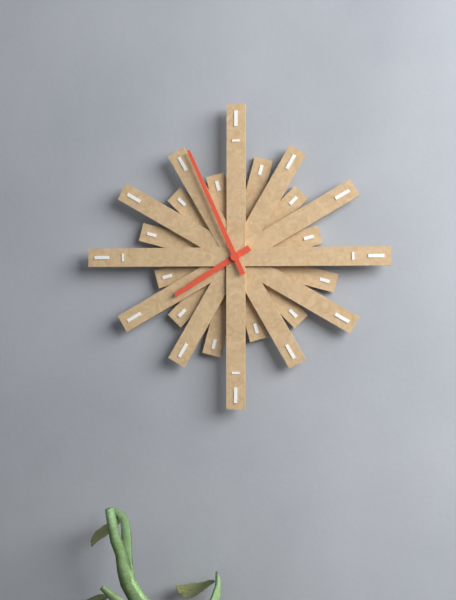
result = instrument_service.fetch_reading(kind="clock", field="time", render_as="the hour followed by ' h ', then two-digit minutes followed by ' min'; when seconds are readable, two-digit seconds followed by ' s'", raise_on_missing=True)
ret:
7 h 56 min
